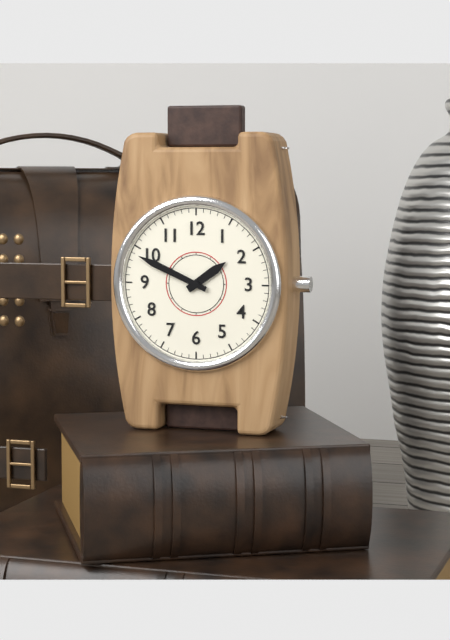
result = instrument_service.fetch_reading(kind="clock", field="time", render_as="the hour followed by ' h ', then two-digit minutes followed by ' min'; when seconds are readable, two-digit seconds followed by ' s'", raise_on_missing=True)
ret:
1 h 49 min
